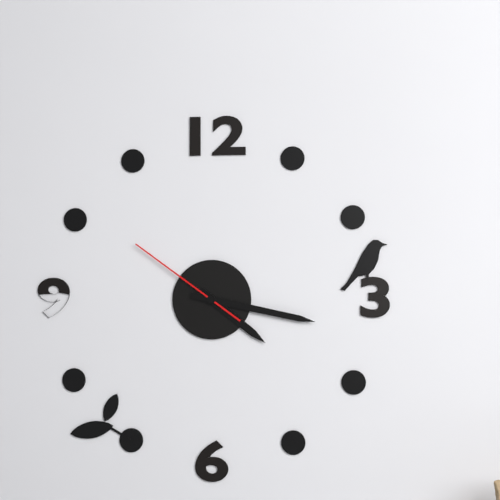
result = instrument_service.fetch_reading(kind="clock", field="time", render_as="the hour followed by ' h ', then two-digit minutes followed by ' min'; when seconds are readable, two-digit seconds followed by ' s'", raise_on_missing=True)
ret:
4 h 17 min 51 s
